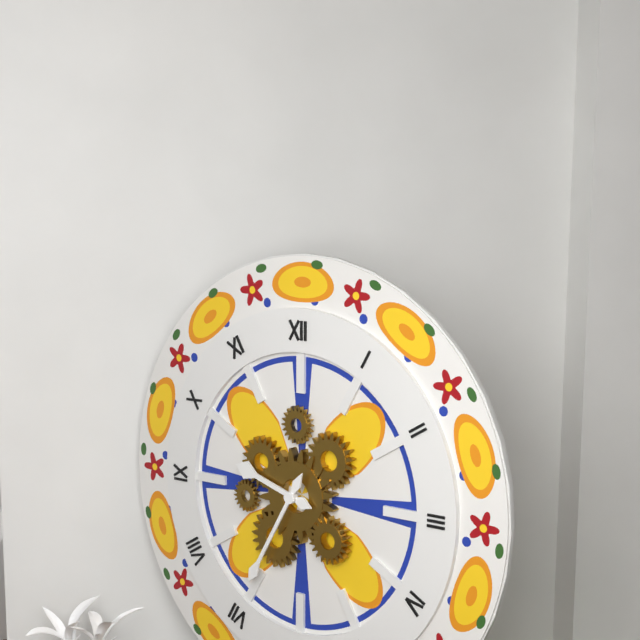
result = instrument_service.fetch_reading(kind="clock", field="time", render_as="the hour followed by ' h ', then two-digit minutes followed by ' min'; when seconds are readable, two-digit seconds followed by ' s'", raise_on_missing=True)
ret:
9 h 35 min
